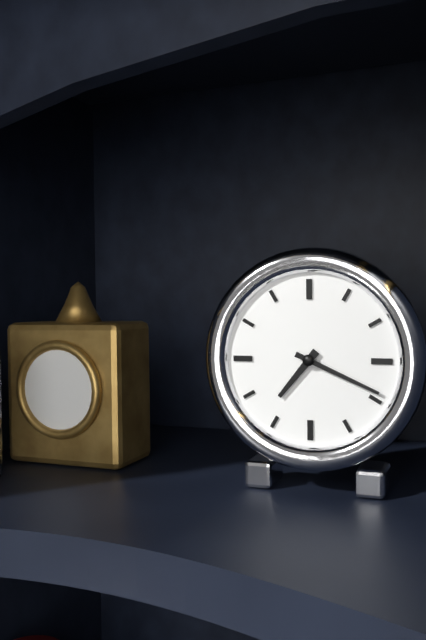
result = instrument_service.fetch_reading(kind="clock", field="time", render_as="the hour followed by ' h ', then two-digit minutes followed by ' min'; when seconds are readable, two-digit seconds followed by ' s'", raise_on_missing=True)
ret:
7 h 19 min
